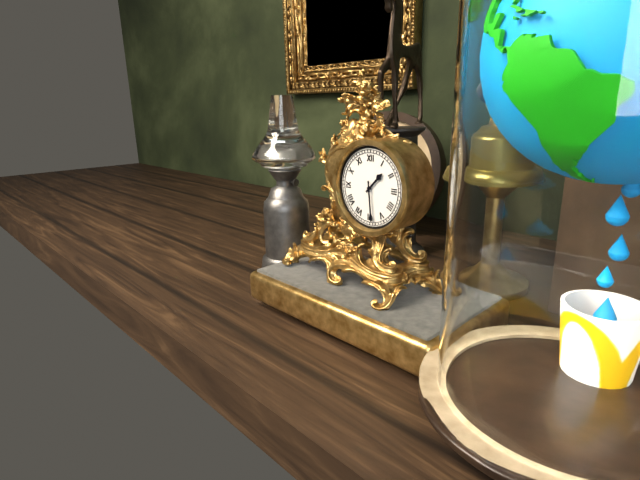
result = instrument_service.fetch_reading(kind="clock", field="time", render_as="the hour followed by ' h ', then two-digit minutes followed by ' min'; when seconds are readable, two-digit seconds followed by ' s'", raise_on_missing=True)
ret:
1 h 29 min
